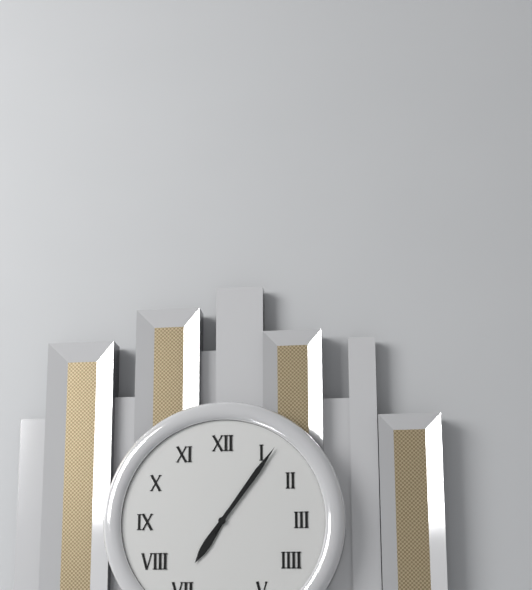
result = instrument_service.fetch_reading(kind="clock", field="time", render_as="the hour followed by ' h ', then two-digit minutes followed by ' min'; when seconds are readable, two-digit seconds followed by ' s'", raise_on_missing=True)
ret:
7 h 06 min
